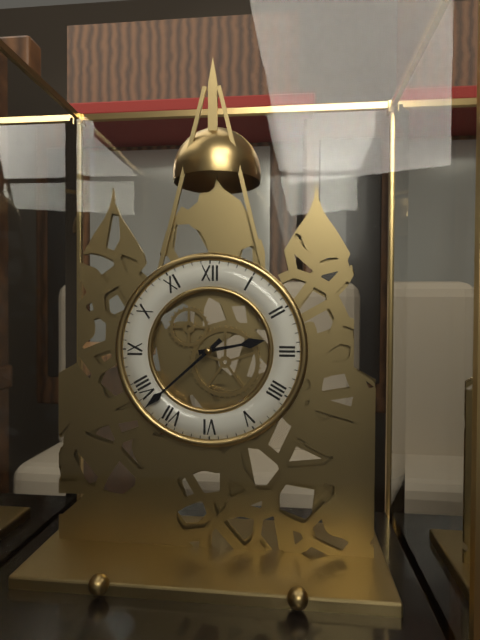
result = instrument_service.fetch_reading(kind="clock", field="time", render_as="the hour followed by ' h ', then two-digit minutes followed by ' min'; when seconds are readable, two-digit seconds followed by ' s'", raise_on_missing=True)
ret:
2 h 38 min
